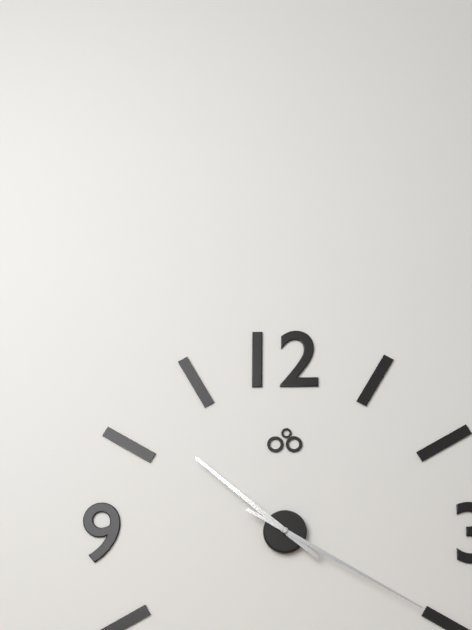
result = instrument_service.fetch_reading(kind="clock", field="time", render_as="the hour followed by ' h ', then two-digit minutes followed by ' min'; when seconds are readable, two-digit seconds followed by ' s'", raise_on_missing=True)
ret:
10 h 20 min
